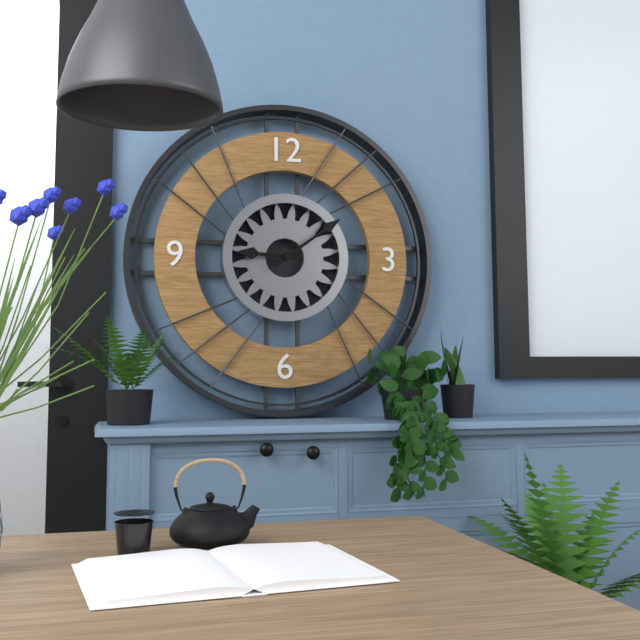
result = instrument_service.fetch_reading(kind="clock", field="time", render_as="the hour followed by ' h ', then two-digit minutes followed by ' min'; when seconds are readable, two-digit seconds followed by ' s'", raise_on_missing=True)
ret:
9 h 09 min
